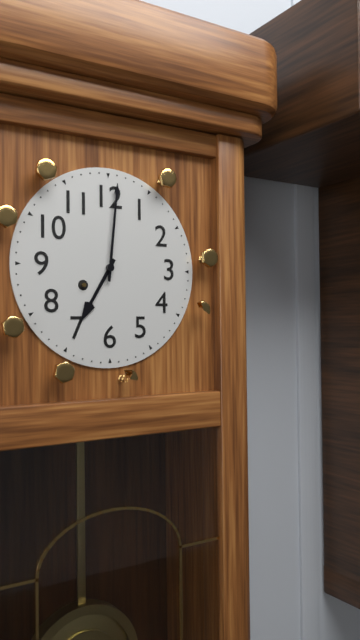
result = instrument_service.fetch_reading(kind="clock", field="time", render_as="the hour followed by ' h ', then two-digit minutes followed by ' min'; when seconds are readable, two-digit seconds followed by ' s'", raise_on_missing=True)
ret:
7 h 01 min
